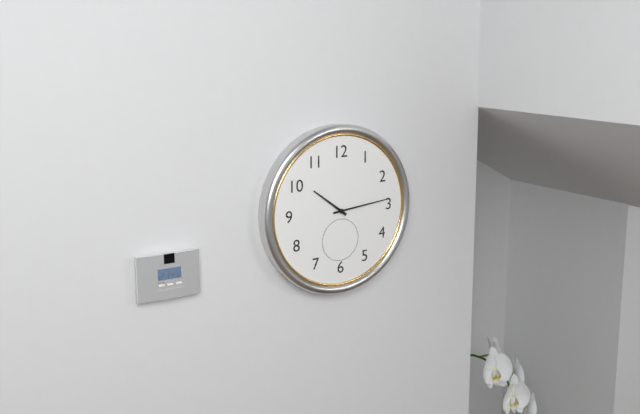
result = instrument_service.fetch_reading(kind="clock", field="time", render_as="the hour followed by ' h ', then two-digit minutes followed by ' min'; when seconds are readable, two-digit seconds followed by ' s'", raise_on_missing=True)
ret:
10 h 14 min
